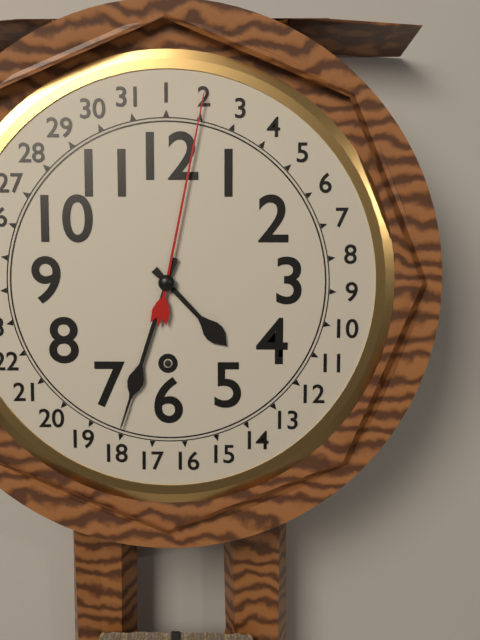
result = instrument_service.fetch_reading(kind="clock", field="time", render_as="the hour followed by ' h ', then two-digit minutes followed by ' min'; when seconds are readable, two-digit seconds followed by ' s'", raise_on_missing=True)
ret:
4 h 33 min
